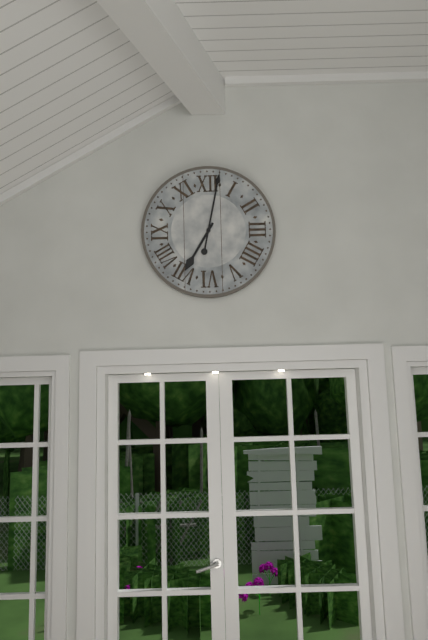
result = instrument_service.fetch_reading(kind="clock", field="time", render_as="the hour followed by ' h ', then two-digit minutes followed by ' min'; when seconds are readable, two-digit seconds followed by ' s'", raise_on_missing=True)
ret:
7 h 02 min
